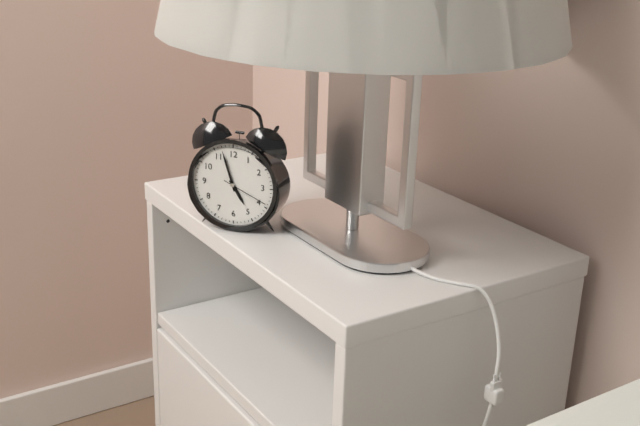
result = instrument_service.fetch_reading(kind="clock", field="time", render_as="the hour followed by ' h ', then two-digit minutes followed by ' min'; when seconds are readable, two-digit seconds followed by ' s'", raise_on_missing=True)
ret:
4 h 57 min
